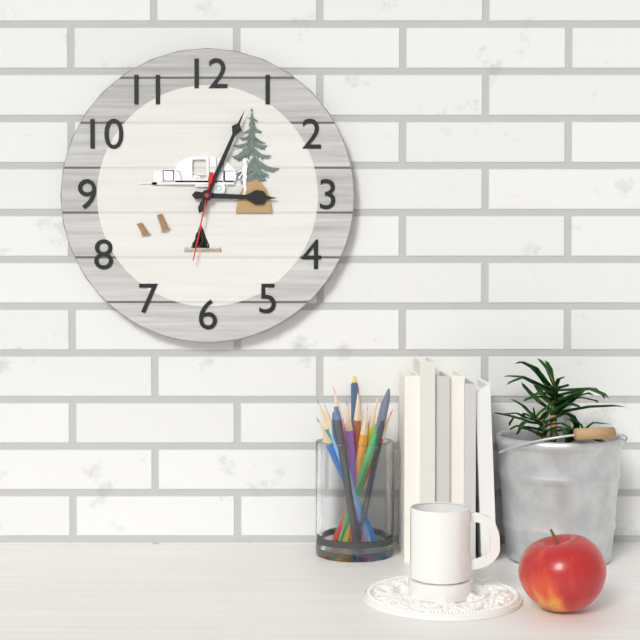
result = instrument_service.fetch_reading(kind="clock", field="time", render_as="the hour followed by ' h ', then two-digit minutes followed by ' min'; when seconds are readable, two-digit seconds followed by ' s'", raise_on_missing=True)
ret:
3 h 04 min 32 s
